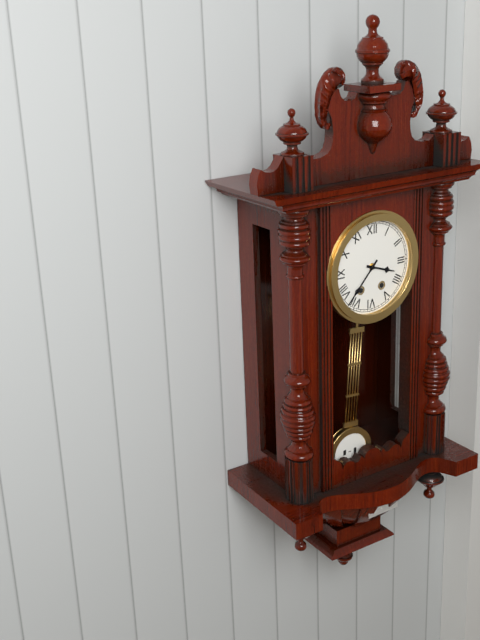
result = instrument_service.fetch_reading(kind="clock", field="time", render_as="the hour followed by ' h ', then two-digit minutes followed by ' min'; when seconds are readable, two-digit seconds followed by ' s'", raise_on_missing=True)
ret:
3 h 37 min
